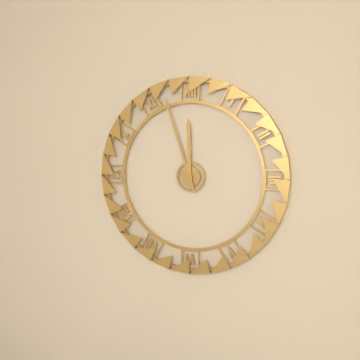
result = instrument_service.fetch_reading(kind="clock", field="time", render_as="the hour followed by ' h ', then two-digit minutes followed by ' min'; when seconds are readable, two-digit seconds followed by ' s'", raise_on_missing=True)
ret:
11 h 57 min
